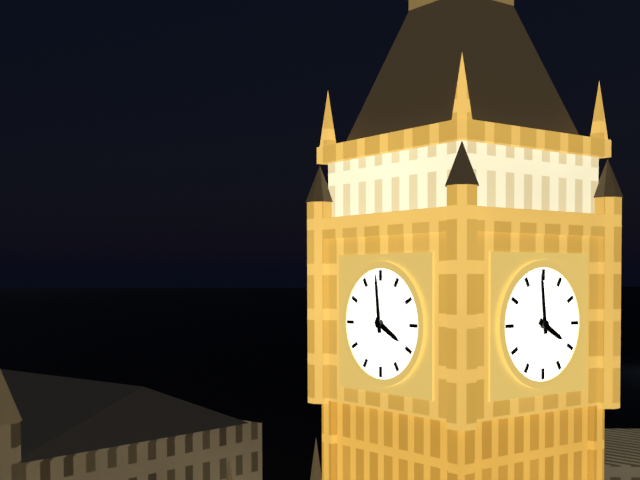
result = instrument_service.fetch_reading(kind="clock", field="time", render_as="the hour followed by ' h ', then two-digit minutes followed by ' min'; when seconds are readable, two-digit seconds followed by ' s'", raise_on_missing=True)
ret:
3 h 59 min
